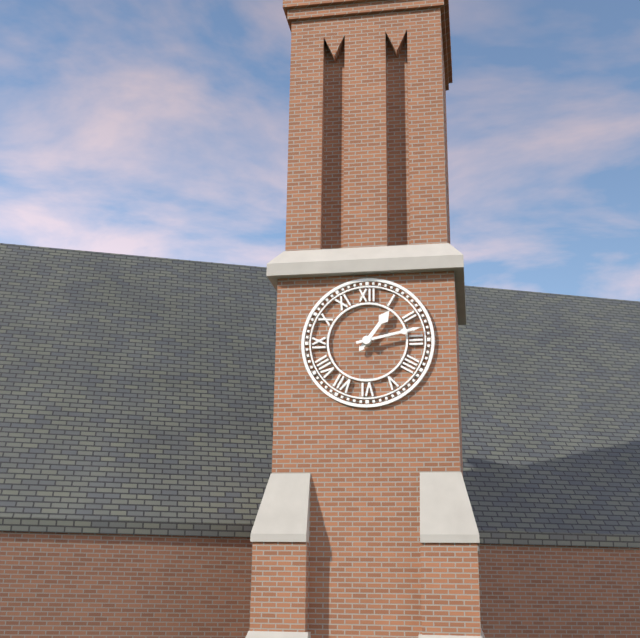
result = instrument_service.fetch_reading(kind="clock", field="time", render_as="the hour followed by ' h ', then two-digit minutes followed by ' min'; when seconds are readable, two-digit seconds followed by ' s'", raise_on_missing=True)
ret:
1 h 13 min
